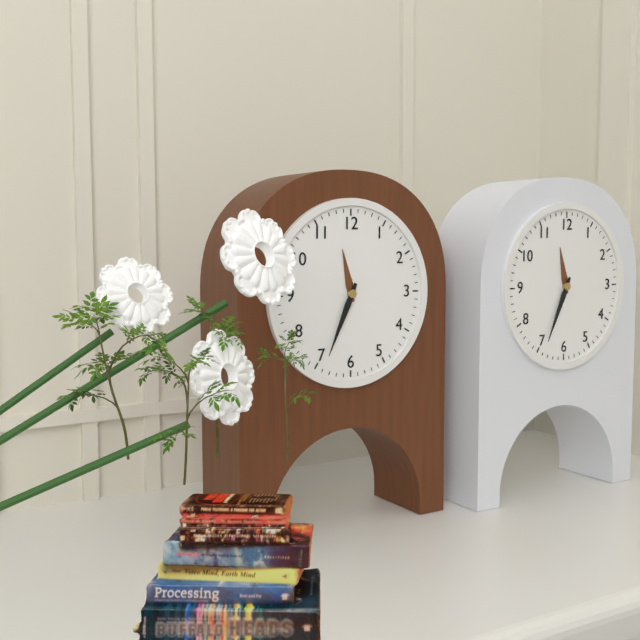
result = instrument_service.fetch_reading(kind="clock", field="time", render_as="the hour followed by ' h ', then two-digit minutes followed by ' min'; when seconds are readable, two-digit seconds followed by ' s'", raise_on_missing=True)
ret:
11 h 34 min
